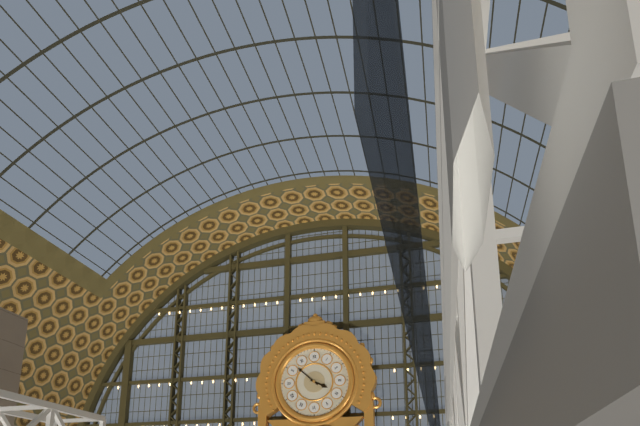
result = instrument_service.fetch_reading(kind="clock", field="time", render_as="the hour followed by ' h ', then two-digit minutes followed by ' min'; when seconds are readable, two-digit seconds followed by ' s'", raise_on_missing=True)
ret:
3 h 52 min
